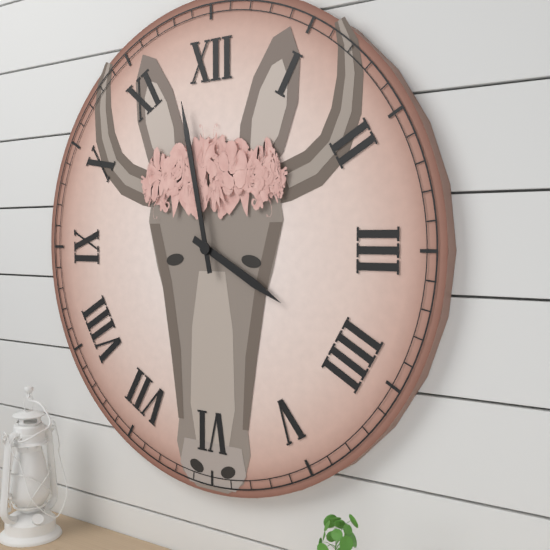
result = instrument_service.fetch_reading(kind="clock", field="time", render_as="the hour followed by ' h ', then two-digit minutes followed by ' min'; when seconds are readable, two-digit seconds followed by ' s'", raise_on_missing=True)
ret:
3 h 58 min
